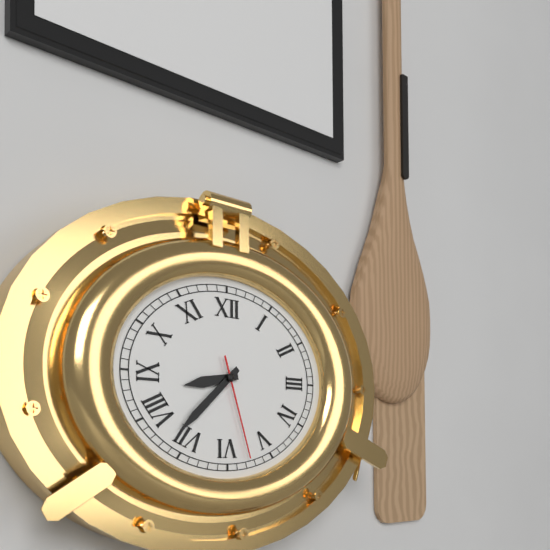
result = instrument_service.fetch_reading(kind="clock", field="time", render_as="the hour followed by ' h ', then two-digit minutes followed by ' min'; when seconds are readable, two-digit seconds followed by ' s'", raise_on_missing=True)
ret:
8 h 38 min 27 s
